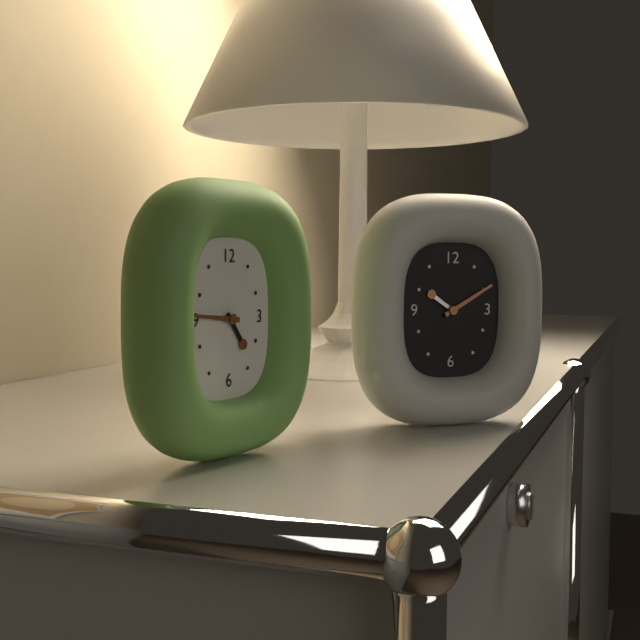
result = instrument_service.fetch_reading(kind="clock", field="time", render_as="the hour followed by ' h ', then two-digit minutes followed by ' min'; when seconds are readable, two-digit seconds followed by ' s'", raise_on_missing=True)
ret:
4 h 46 min
